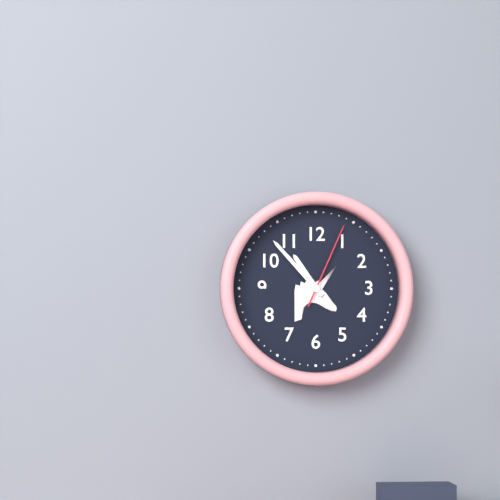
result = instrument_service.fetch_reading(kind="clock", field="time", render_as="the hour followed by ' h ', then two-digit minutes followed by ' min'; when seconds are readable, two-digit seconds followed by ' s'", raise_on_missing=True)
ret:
10 h 53 min 04 s
